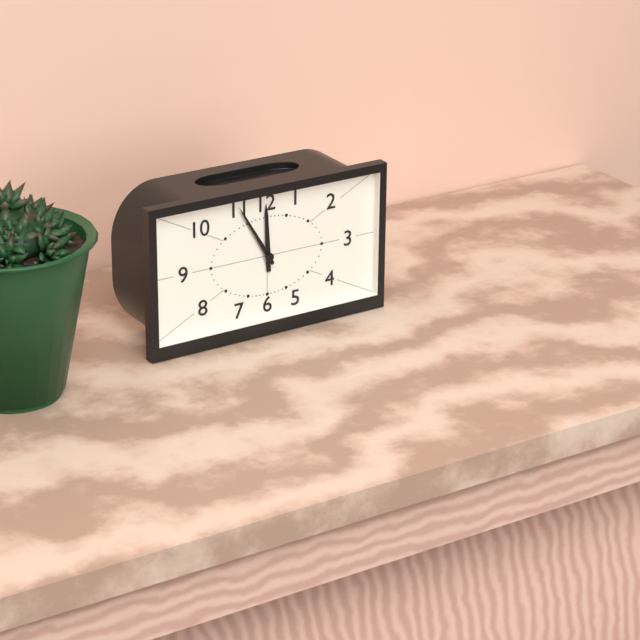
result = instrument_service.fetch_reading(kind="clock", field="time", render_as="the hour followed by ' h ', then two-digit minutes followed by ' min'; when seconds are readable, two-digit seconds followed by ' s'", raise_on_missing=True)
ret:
11 h 55 min
